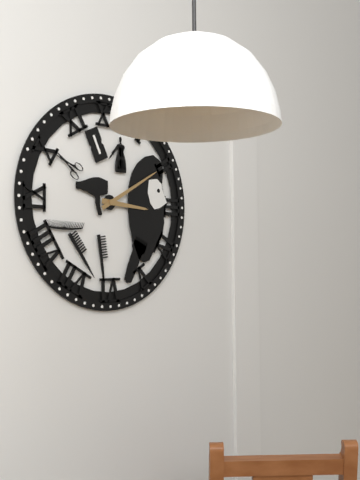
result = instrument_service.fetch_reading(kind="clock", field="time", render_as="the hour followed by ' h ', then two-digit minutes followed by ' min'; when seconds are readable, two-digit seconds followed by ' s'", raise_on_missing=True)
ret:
3 h 10 min
